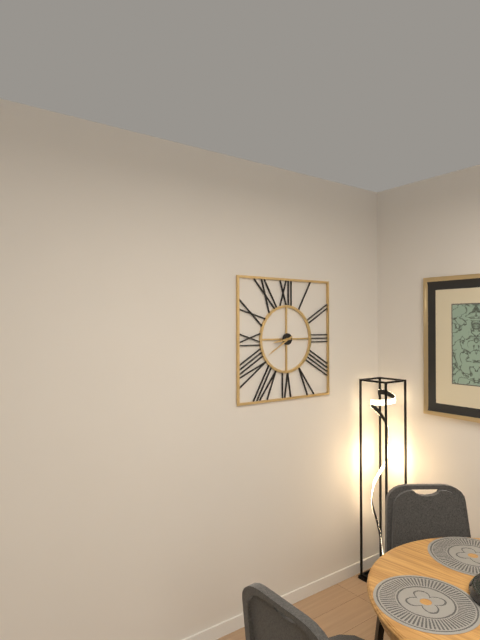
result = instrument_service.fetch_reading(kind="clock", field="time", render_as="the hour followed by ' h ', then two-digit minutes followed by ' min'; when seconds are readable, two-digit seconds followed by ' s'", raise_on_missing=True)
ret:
8 h 40 min
